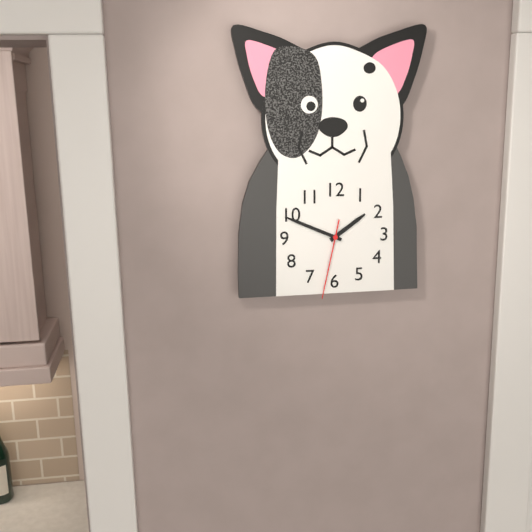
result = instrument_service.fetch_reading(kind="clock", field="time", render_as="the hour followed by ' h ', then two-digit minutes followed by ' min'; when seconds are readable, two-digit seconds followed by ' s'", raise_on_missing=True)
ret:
1 h 49 min 32 s
